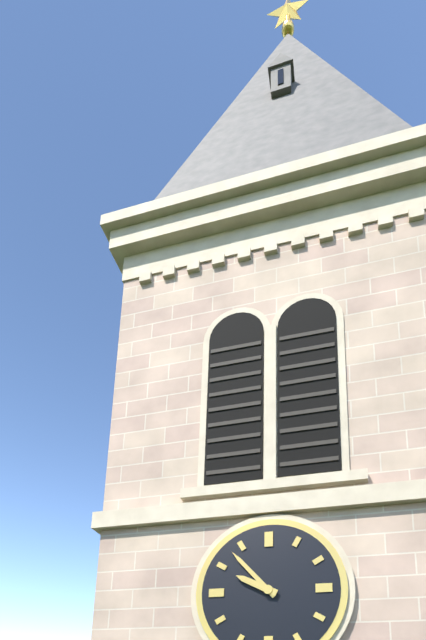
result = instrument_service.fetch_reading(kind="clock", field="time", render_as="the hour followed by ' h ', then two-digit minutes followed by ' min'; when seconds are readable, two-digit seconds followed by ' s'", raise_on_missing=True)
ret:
9 h 53 min
